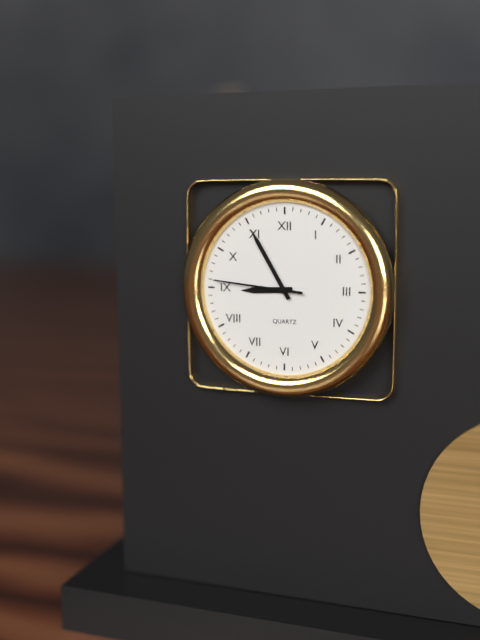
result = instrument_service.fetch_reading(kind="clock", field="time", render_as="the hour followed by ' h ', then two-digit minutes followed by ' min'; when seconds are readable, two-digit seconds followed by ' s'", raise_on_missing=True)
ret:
8 h 55 min 46 s
